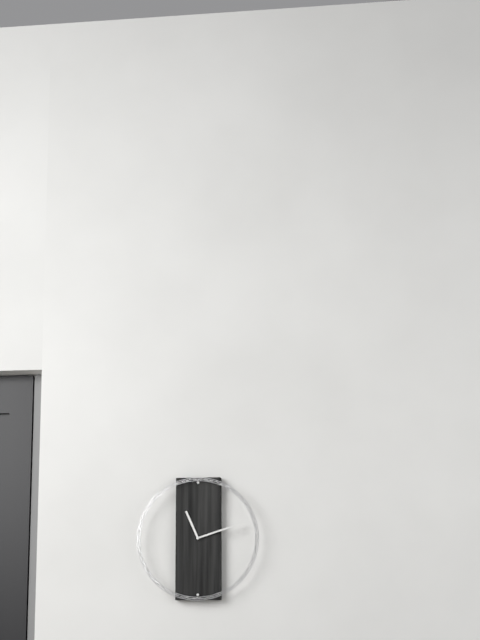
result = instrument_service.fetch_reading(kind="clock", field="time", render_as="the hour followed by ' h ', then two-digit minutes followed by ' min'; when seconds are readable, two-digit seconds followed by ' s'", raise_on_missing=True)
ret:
11 h 12 min
